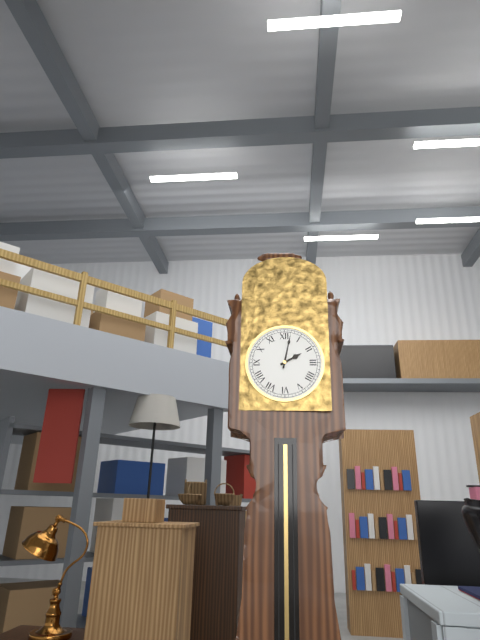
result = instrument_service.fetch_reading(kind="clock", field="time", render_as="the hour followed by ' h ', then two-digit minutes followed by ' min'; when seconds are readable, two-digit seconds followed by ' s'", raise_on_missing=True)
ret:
2 h 02 min
